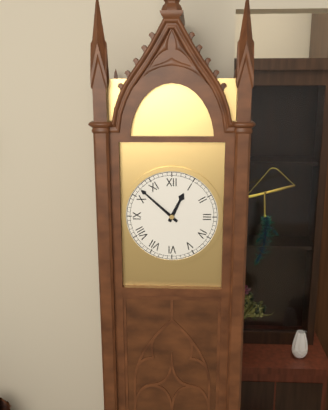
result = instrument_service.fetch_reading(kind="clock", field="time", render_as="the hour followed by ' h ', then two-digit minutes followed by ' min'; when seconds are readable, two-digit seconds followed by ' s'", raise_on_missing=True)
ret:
12 h 52 min
